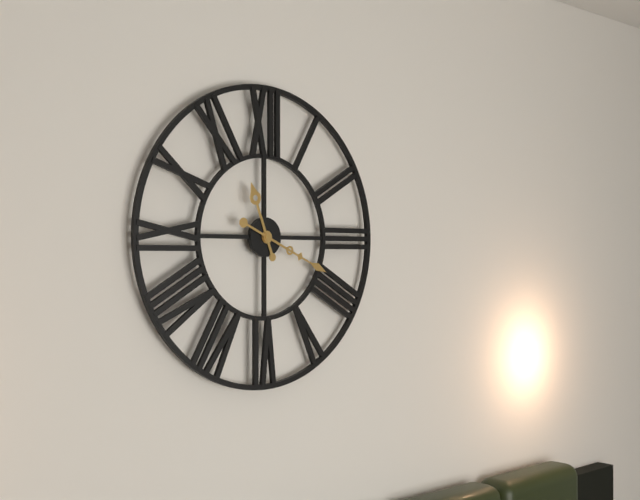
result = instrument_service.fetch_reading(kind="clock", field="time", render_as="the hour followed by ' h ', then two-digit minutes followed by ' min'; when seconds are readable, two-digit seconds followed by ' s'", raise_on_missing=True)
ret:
11 h 19 min
